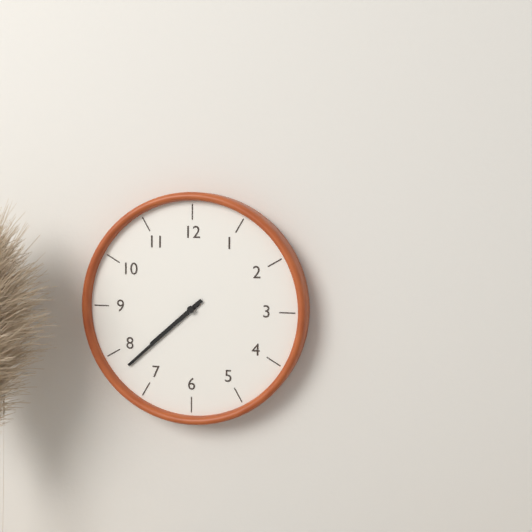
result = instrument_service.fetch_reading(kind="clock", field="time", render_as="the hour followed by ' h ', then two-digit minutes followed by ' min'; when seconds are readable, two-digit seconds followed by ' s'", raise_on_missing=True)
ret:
7 h 38 min
